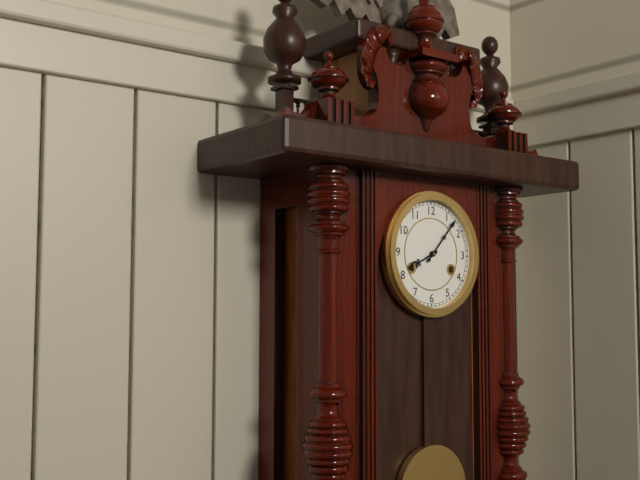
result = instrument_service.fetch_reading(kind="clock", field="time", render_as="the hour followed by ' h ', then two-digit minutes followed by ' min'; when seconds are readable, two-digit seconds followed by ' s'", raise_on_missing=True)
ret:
8 h 07 min
